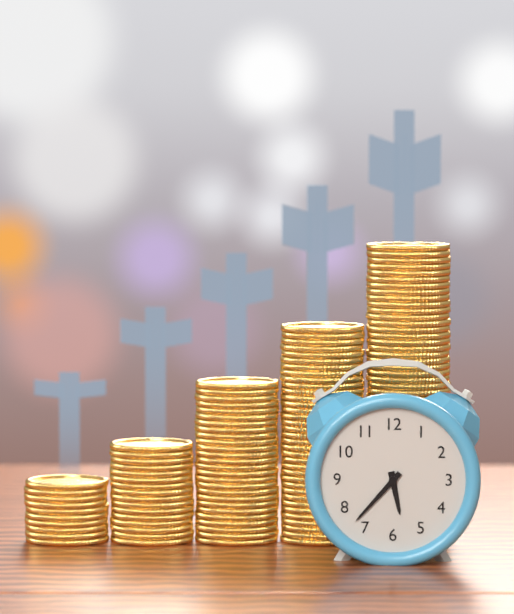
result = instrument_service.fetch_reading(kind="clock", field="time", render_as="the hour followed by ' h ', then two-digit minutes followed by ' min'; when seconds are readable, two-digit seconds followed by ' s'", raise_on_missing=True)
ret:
5 h 37 min
